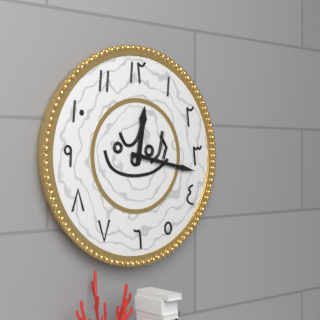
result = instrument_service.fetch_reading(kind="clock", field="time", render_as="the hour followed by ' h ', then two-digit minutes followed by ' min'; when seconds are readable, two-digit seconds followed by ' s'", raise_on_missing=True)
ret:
12 h 17 min
